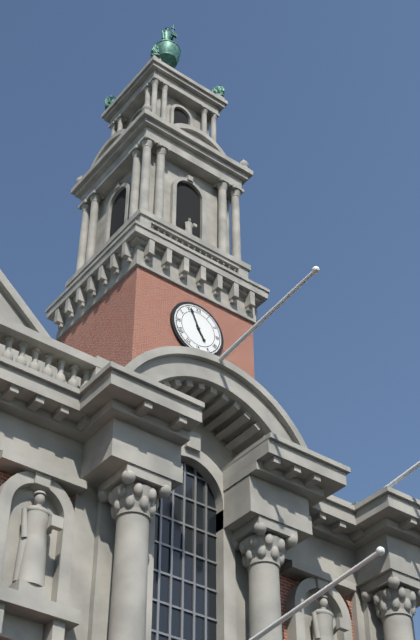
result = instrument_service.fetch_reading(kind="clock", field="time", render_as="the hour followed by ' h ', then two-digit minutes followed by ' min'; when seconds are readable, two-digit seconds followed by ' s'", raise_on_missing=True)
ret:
4 h 56 min
